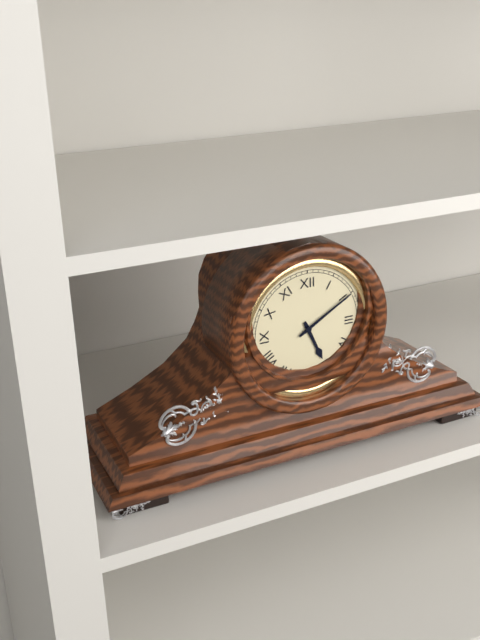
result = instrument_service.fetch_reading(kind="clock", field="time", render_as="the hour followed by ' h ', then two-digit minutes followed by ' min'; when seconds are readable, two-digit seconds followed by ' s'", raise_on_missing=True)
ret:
5 h 10 min
